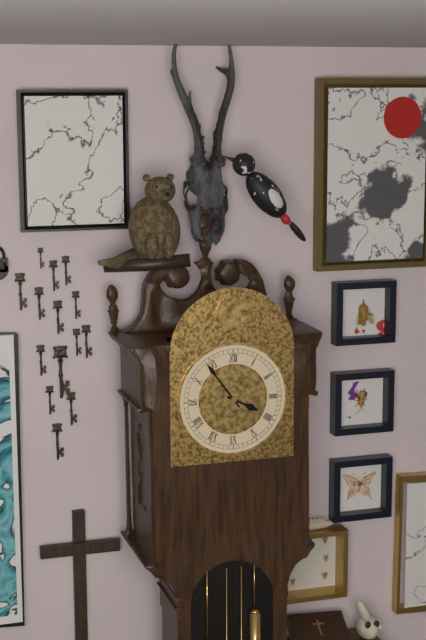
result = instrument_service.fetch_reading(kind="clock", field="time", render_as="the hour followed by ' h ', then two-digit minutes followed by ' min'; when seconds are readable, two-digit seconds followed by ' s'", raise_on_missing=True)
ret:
3 h 54 min
